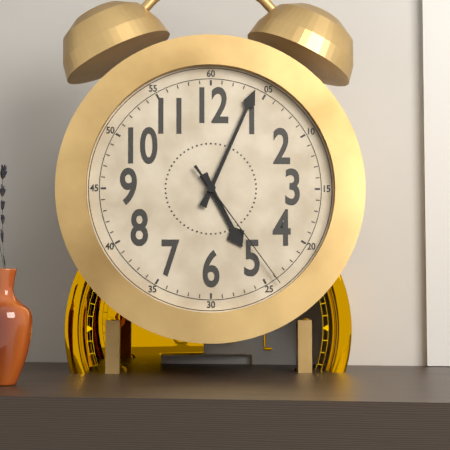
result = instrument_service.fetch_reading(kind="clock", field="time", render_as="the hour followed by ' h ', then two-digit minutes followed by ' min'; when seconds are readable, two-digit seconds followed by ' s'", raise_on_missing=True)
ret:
5 h 04 min 24 s
